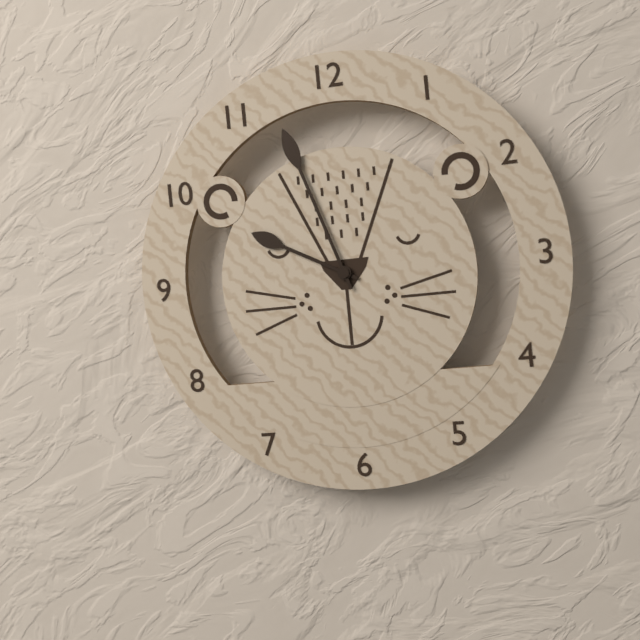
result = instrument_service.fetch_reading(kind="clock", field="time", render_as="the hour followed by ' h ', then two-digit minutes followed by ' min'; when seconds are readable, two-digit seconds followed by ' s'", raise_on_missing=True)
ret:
9 h 57 min
